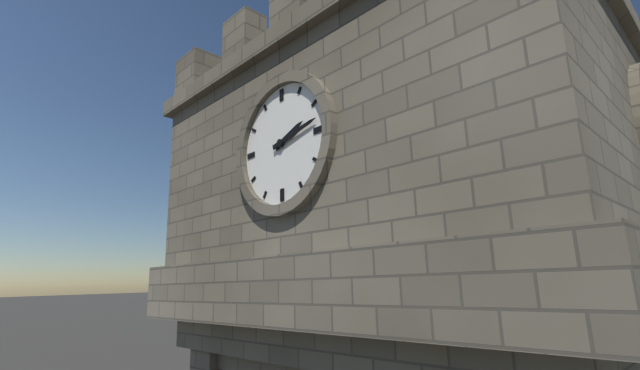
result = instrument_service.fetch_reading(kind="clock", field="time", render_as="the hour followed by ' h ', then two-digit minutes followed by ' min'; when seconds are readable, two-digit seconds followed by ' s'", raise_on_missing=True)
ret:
2 h 13 min
